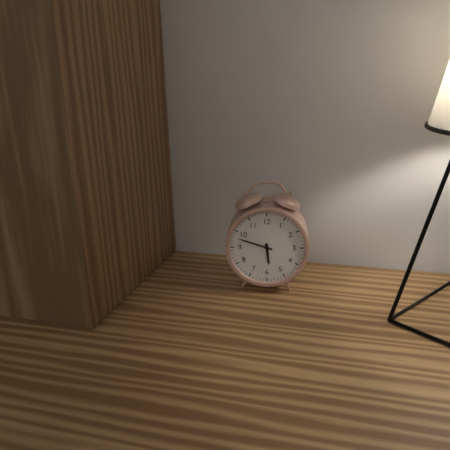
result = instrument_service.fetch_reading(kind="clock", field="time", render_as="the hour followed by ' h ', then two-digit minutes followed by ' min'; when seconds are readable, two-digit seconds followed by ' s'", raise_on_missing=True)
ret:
5 h 48 min
